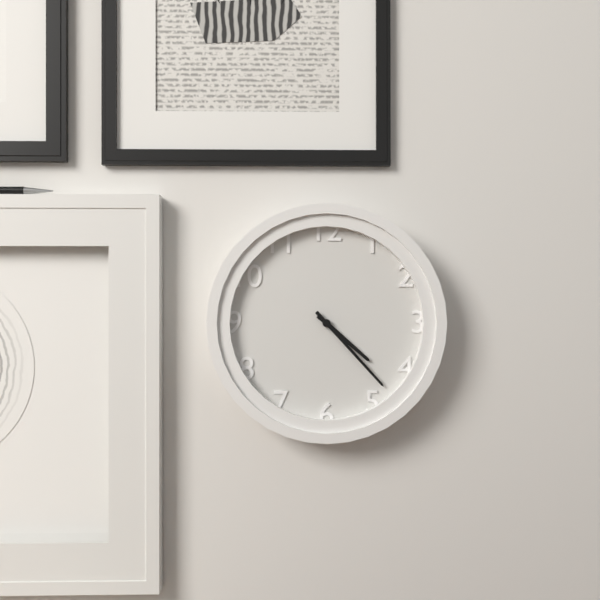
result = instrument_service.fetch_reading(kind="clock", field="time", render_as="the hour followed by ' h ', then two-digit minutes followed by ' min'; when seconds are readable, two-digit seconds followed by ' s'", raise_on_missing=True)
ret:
4 h 23 min
